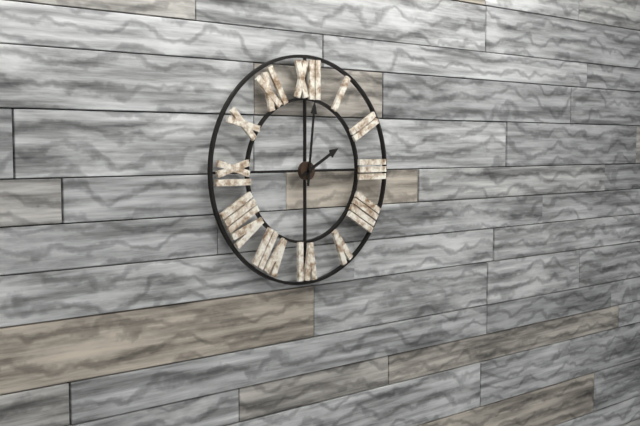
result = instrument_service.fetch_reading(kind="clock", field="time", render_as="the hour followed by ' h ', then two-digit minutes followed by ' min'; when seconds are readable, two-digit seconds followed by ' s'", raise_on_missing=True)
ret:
2 h 01 min
